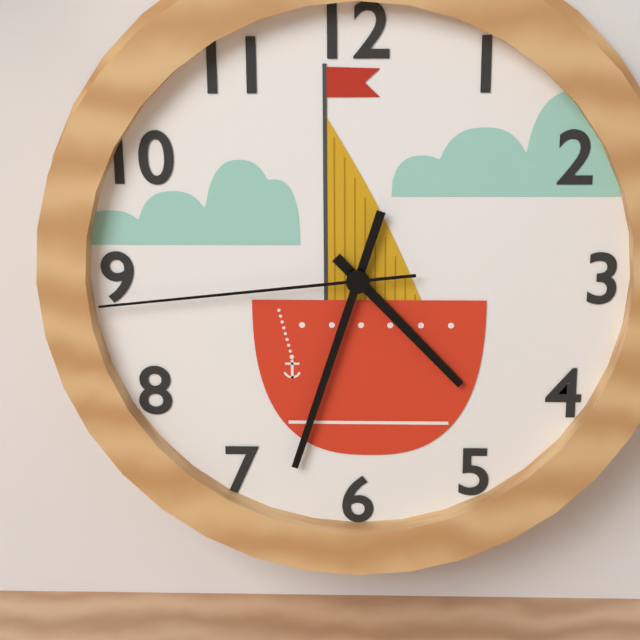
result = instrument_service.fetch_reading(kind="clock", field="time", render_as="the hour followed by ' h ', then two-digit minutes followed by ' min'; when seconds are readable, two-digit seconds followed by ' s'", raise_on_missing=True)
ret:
4 h 33 min 44 s
